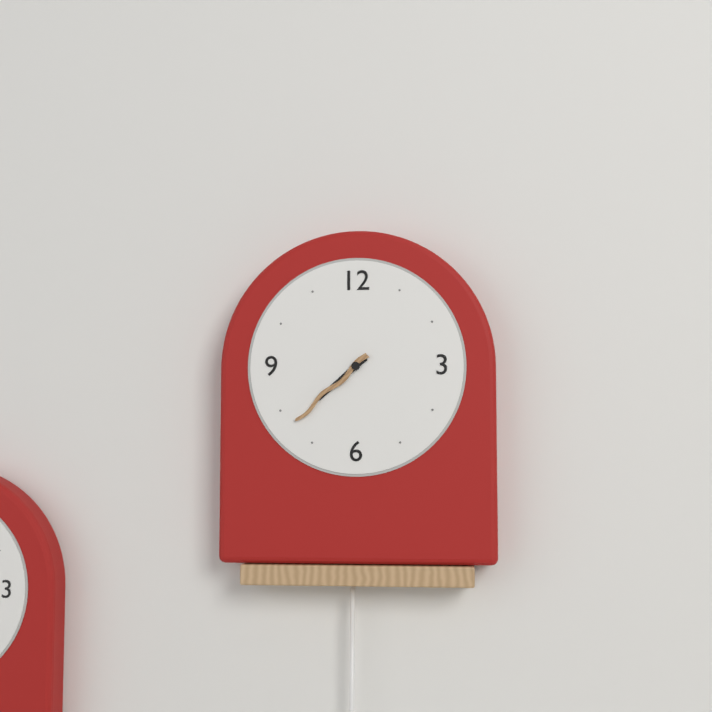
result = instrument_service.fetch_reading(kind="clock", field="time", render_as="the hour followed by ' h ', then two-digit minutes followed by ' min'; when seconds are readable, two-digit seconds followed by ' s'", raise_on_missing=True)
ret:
7 h 38 min
